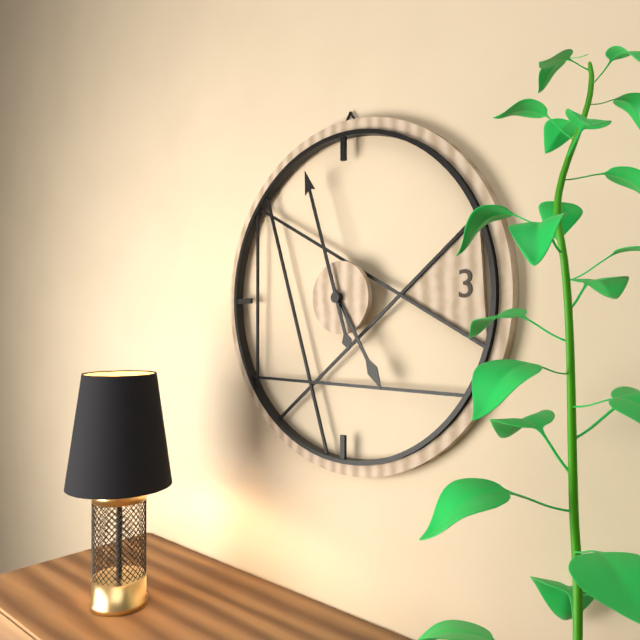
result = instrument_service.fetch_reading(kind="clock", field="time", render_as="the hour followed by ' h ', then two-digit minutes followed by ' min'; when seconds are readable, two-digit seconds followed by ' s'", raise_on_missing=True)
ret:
4 h 57 min
